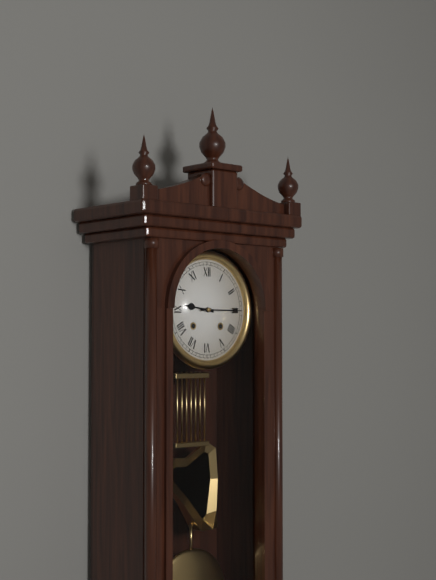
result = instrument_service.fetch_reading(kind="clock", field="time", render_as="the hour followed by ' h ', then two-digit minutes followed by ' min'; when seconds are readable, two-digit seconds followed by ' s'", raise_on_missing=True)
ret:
9 h 15 min
